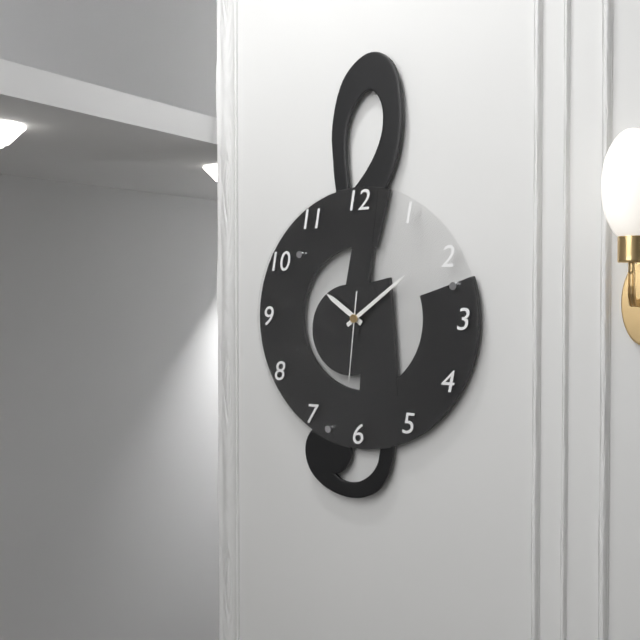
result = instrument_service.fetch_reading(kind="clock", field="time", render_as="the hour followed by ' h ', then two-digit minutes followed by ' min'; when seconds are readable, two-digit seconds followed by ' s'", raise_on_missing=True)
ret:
10 h 09 min 31 s
